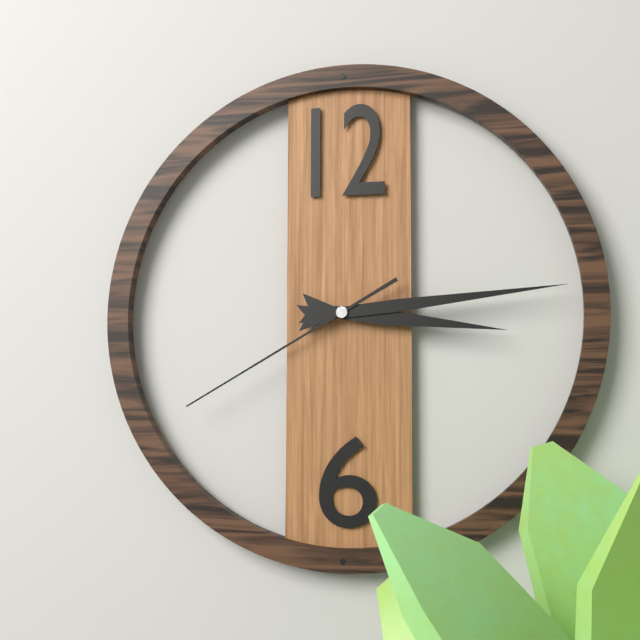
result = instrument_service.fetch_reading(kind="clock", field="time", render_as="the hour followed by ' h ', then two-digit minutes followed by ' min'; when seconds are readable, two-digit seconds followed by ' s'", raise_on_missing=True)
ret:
3 h 14 min 40 s
